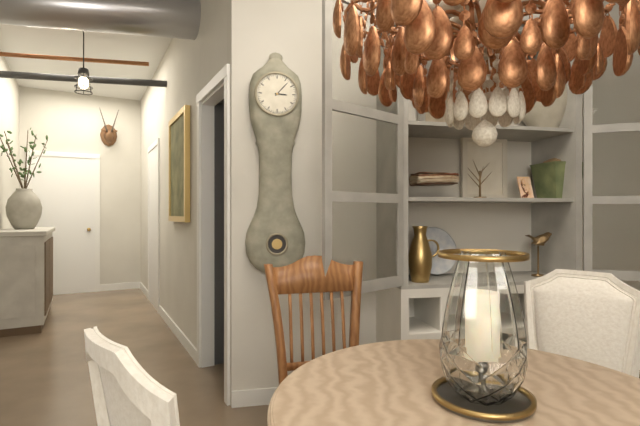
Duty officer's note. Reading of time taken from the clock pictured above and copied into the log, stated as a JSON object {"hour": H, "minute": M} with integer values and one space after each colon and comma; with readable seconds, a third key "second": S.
{"hour": 3, "minute": 7}
